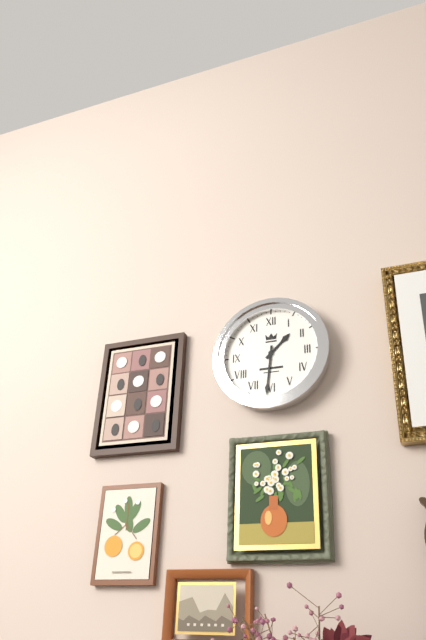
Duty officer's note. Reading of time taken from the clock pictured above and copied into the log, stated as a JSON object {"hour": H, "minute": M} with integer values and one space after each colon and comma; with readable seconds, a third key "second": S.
{"hour": 1, "minute": 31}
